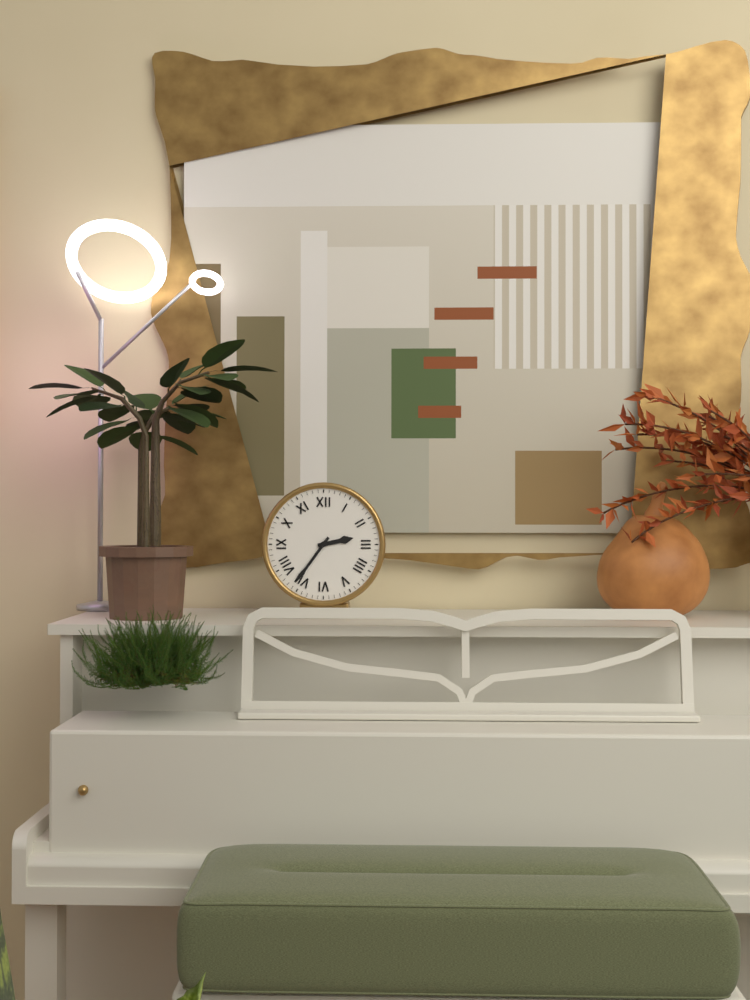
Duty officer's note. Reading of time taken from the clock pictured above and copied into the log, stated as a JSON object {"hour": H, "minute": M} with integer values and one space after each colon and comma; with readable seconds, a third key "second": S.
{"hour": 2, "minute": 36}
